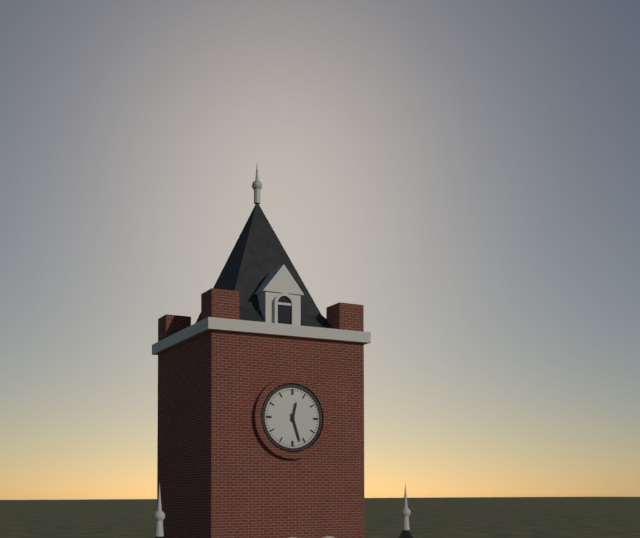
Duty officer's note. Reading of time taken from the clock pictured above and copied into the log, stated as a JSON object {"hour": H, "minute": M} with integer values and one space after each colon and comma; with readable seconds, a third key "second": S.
{"hour": 12, "minute": 27}
